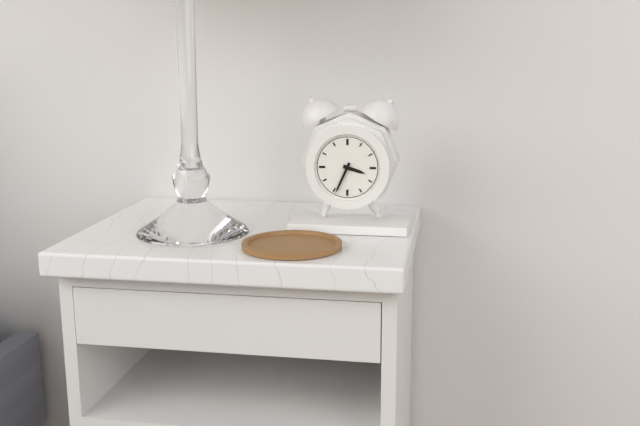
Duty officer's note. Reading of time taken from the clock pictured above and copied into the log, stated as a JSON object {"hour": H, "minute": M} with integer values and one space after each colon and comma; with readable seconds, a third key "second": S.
{"hour": 3, "minute": 34}
